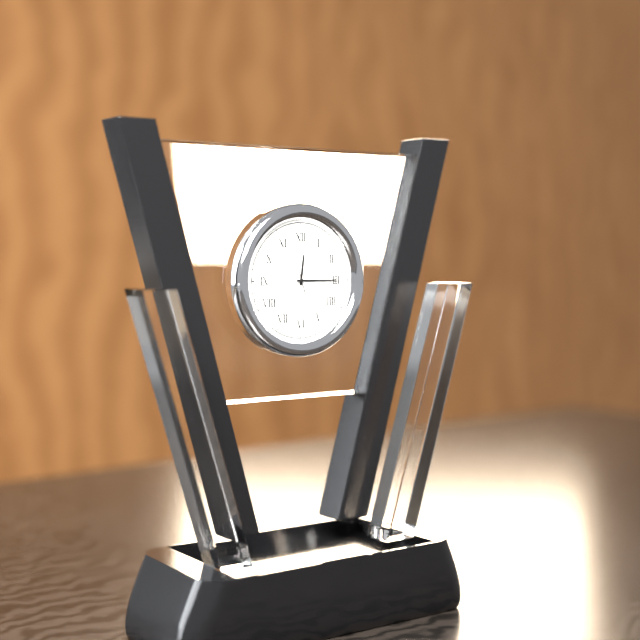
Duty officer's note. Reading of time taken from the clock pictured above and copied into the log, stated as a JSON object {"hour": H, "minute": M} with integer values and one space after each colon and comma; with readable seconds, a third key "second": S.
{"hour": 12, "minute": 15, "second": 57}
